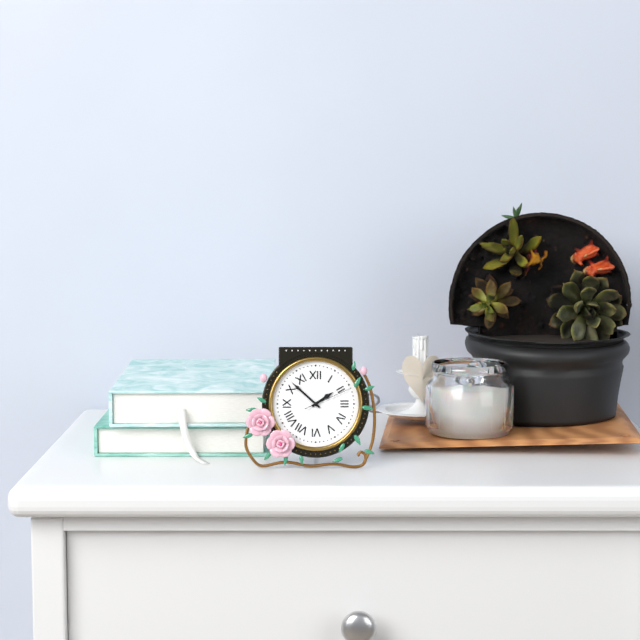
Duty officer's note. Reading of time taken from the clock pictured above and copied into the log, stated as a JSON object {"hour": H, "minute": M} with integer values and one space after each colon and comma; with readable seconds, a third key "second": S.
{"hour": 1, "minute": 52}
